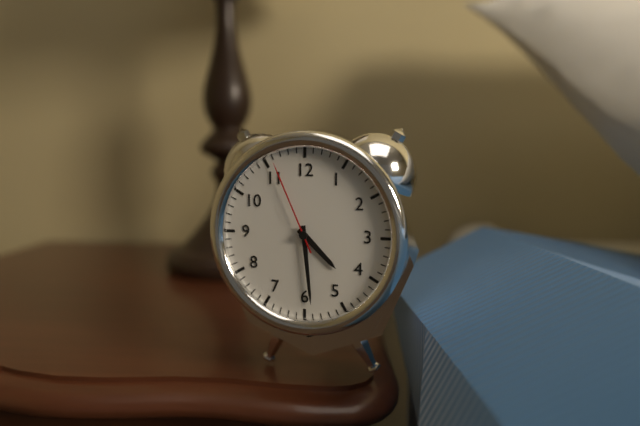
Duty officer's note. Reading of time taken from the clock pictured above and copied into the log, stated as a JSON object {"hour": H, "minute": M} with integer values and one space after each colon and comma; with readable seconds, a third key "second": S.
{"hour": 4, "minute": 29, "second": 56}
